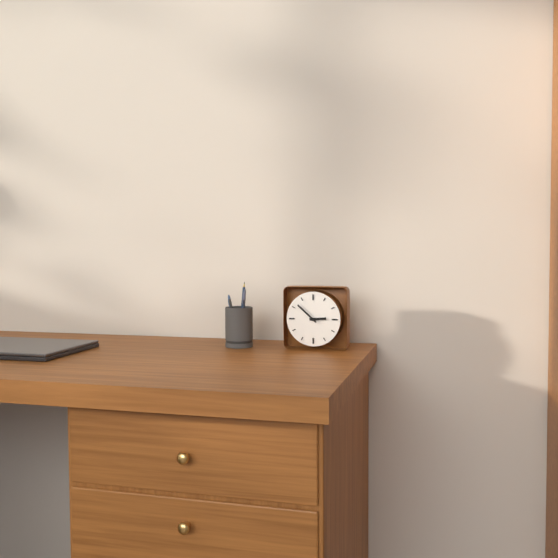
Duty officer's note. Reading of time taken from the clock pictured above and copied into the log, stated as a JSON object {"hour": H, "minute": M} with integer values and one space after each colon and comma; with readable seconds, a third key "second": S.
{"hour": 2, "minute": 52}
